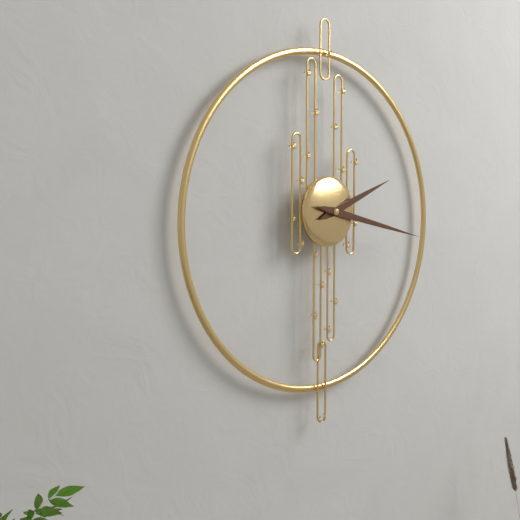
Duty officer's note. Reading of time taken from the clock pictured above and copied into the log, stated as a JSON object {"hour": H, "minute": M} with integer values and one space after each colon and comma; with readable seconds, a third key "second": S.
{"hour": 2, "minute": 17}
